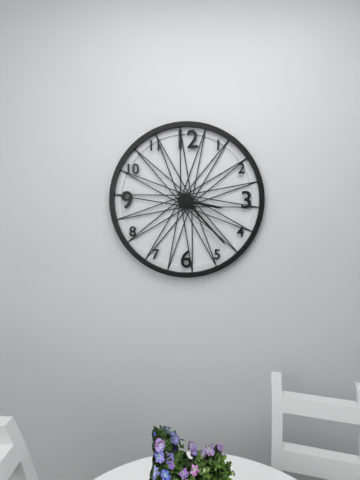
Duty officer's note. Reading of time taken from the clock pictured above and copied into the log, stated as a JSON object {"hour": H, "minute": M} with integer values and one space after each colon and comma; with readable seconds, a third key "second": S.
{"hour": 3, "minute": 23}
